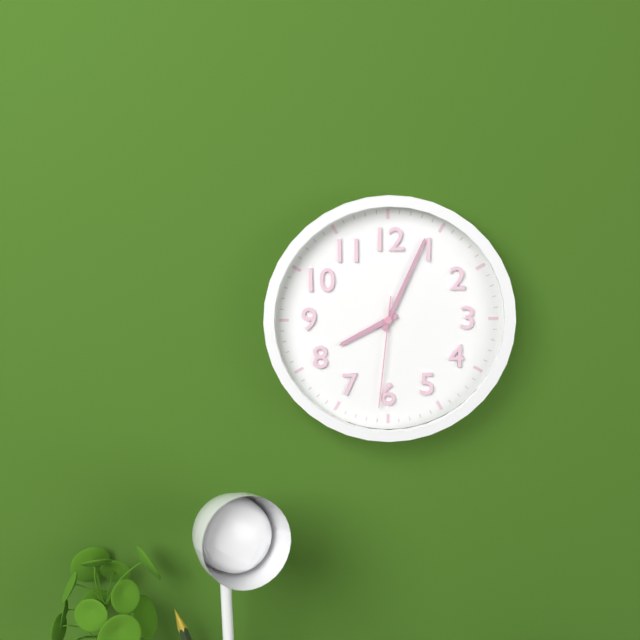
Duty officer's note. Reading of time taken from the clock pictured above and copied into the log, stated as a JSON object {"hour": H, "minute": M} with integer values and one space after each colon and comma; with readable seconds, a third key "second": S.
{"hour": 8, "minute": 4, "second": 31}
